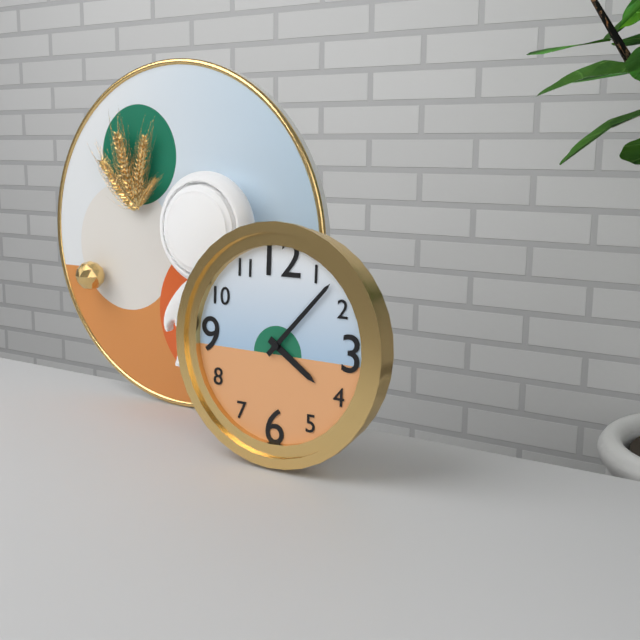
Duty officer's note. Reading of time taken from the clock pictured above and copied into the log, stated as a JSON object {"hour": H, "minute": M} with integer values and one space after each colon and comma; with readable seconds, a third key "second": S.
{"hour": 4, "minute": 7}
